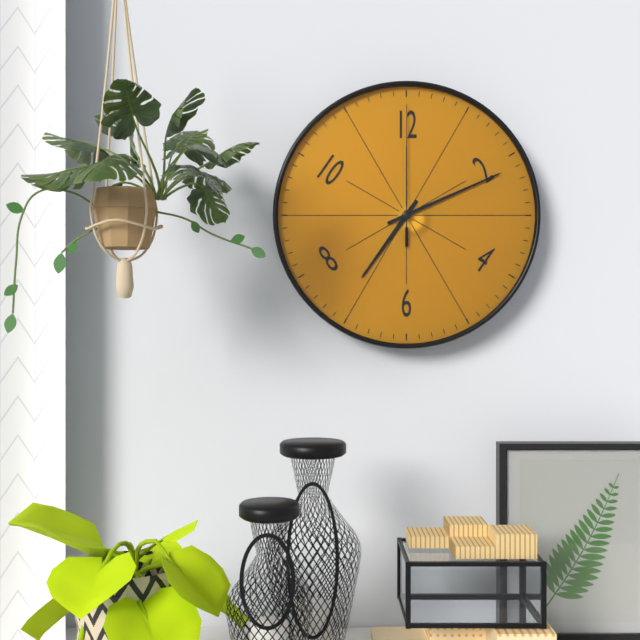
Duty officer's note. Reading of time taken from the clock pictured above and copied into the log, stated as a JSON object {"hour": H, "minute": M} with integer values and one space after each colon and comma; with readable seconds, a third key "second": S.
{"hour": 7, "minute": 11, "second": 0}
